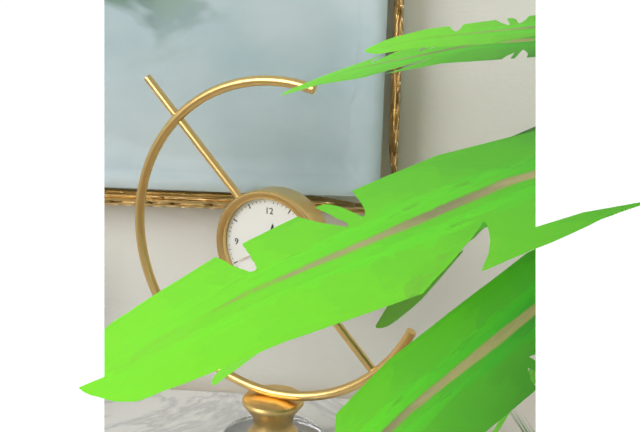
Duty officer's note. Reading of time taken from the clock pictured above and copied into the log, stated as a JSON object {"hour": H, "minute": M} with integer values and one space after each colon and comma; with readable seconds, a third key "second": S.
{"hour": 12, "minute": 20}
